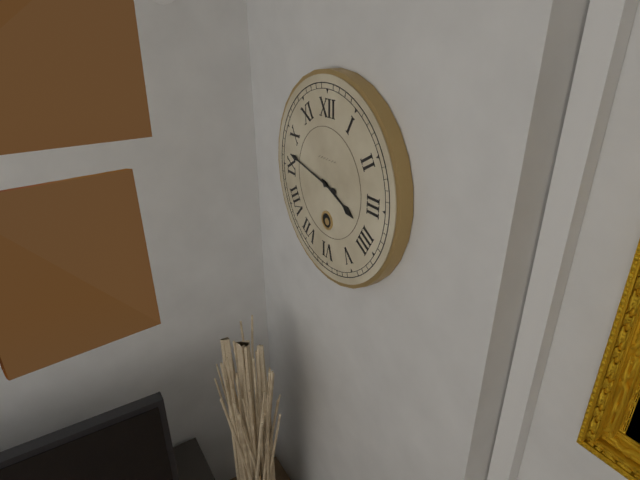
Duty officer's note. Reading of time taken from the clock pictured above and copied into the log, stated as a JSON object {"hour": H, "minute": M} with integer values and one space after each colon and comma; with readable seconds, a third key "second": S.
{"hour": 3, "minute": 47}
